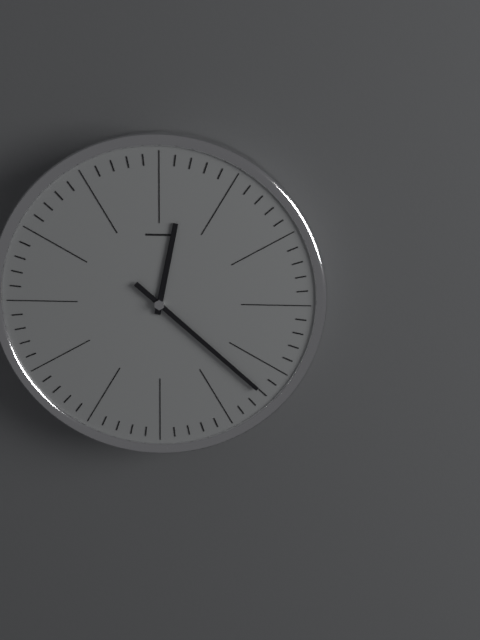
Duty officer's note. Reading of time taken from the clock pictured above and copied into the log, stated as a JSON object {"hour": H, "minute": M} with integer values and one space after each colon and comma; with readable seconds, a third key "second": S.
{"hour": 12, "minute": 22}
